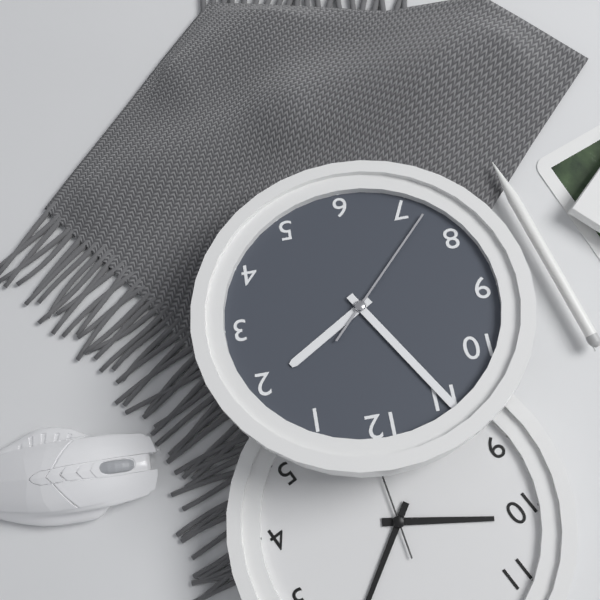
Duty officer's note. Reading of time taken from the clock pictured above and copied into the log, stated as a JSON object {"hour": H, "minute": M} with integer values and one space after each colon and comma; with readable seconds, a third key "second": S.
{"hour": 1, "minute": 55, "second": 37}
